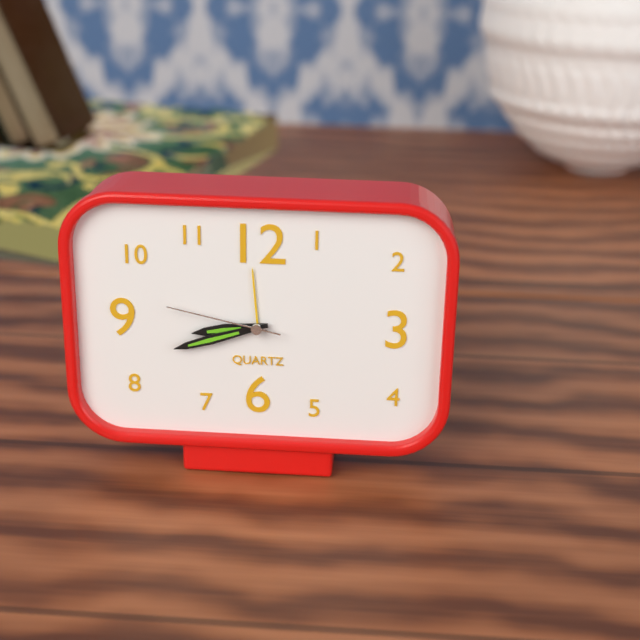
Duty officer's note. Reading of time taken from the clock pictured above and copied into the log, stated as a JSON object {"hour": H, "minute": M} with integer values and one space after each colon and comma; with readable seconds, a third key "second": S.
{"hour": 8, "minute": 42, "second": 47}
